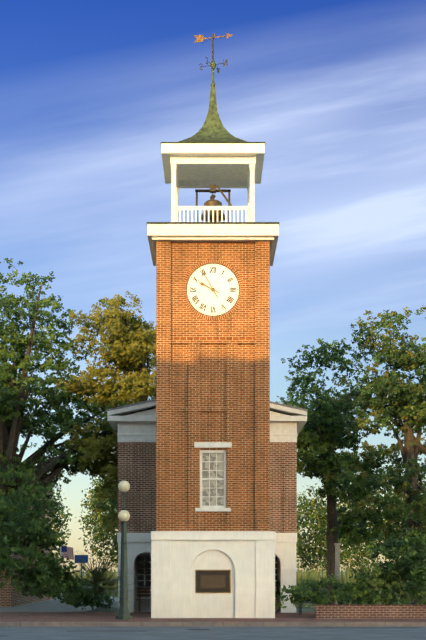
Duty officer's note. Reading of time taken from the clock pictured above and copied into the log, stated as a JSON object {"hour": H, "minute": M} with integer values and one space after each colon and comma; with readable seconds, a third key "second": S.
{"hour": 9, "minute": 55}
